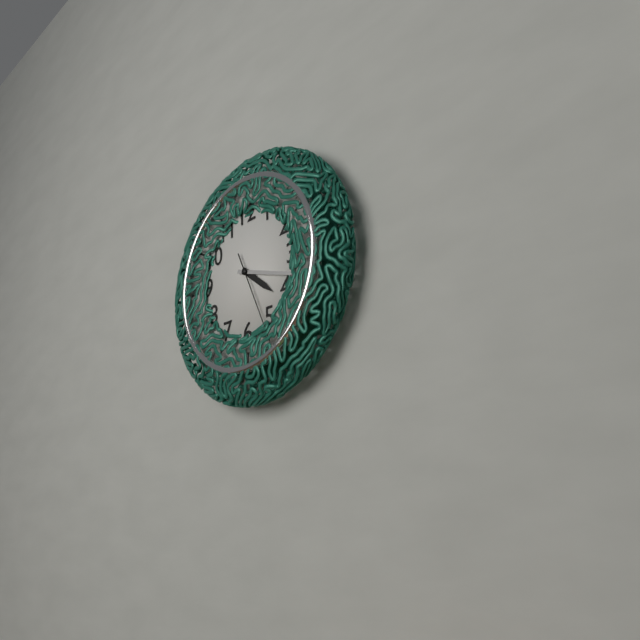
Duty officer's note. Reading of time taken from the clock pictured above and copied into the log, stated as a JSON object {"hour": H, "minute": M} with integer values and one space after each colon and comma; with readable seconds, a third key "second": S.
{"hour": 4, "minute": 18, "second": 26}
